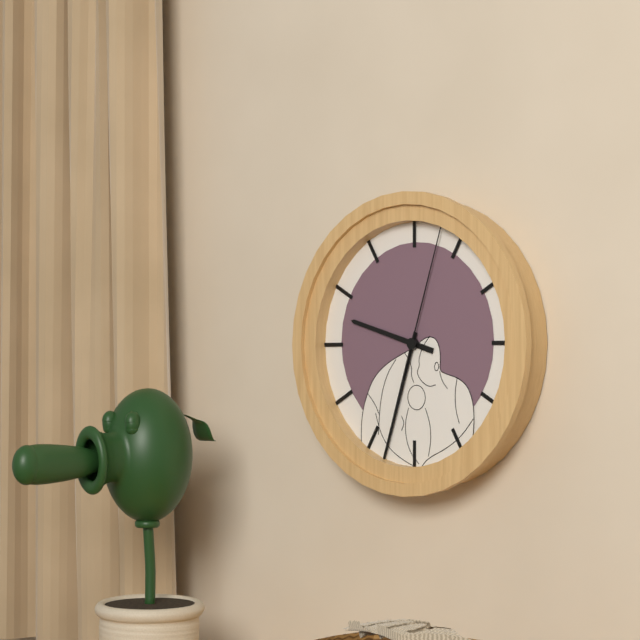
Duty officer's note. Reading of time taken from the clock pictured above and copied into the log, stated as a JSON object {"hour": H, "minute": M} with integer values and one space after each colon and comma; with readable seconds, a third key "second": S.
{"hour": 9, "minute": 33, "second": 3}
